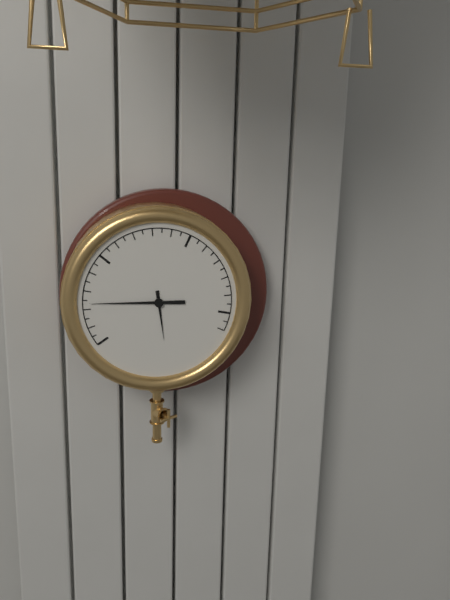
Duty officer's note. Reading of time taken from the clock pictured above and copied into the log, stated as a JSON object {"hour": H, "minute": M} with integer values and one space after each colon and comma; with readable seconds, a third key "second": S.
{"hour": 5, "minute": 45}
